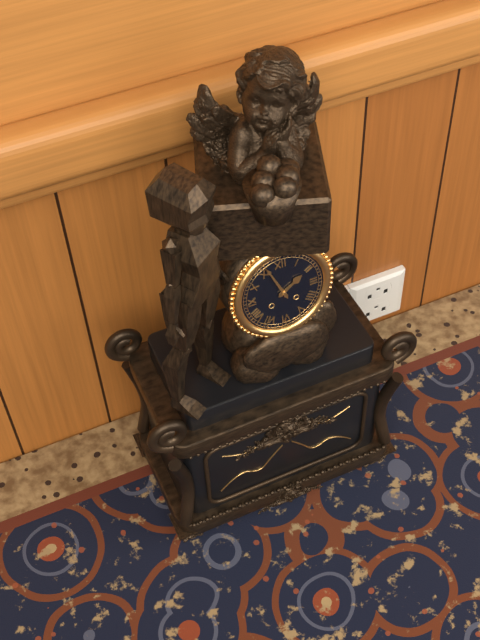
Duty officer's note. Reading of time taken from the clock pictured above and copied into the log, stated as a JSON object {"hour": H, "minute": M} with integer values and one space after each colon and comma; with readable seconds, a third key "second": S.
{"hour": 1, "minute": 56}
